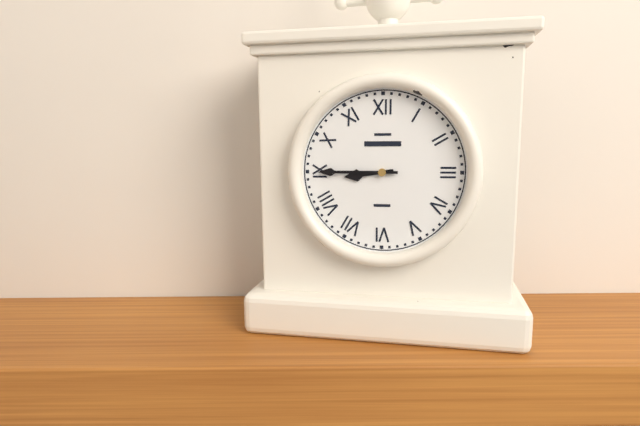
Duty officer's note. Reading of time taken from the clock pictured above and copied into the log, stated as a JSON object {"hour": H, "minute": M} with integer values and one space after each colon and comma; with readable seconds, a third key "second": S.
{"hour": 8, "minute": 45}
